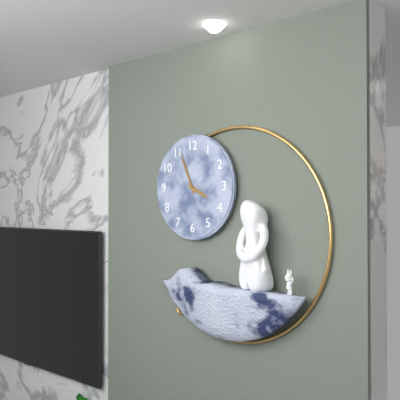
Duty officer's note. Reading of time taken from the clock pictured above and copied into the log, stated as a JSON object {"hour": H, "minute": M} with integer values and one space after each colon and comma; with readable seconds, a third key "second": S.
{"hour": 3, "minute": 56}
